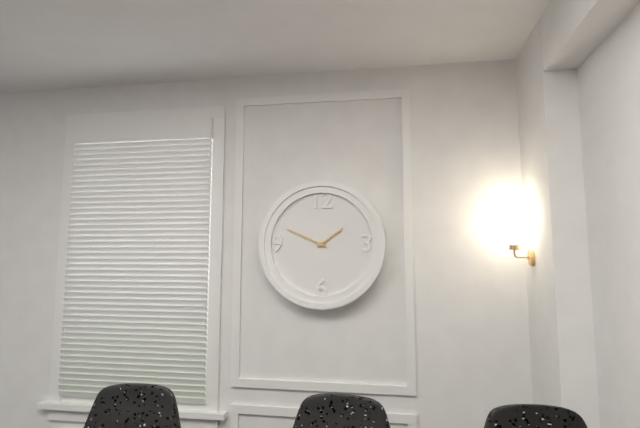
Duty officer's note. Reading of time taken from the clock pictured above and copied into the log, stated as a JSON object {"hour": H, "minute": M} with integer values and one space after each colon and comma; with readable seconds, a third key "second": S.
{"hour": 1, "minute": 49}
